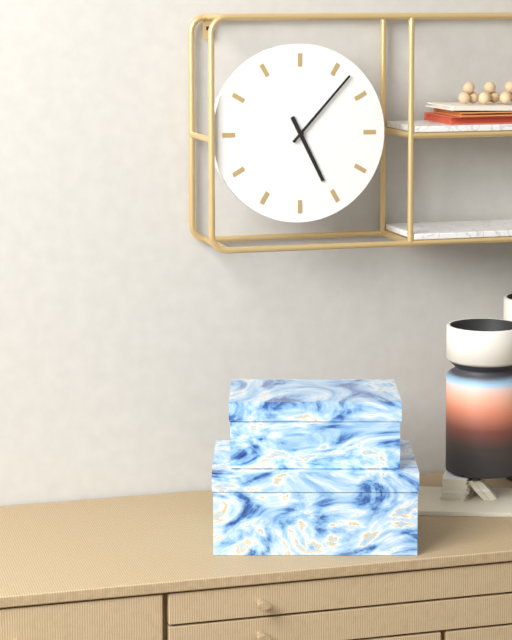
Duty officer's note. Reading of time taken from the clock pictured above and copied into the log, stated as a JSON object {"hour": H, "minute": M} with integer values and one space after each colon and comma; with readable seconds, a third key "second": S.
{"hour": 5, "minute": 7}
